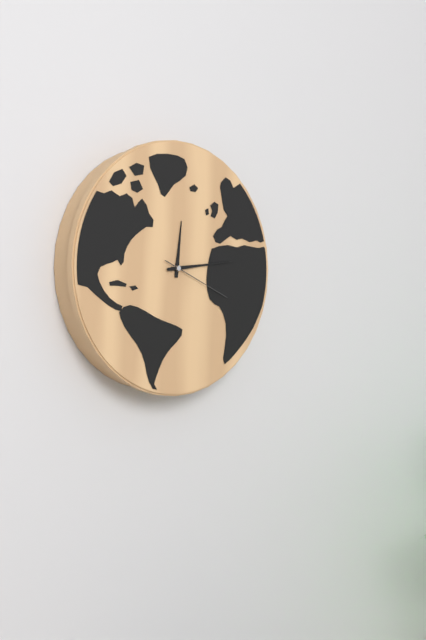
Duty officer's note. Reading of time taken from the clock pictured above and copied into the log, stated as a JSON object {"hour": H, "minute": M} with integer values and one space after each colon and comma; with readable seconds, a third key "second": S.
{"hour": 12, "minute": 14, "second": 19}
